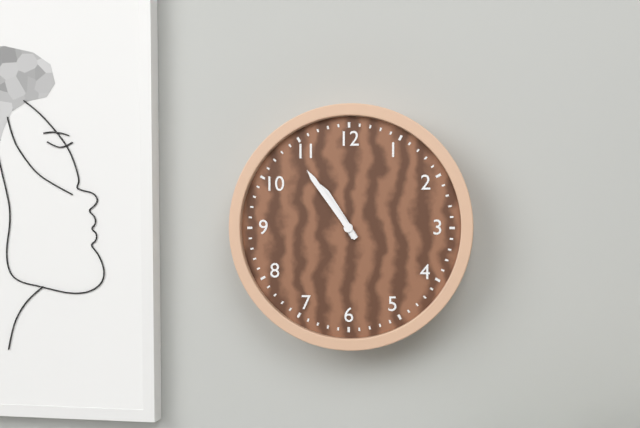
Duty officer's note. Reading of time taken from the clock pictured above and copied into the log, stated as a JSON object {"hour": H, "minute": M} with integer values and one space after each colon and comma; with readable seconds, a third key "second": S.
{"hour": 10, "minute": 54}
